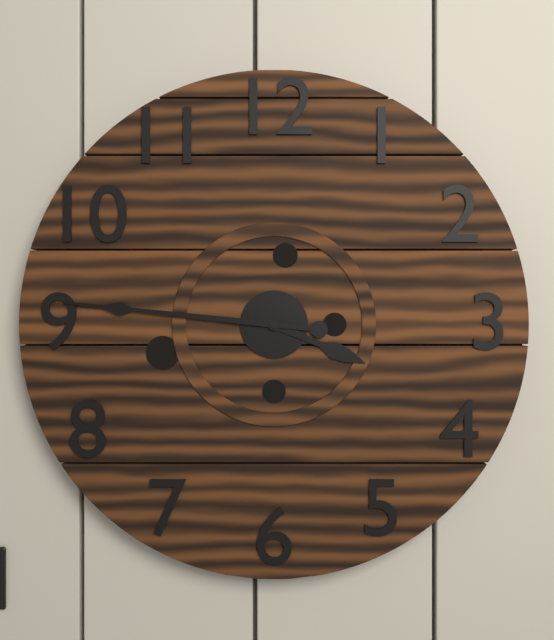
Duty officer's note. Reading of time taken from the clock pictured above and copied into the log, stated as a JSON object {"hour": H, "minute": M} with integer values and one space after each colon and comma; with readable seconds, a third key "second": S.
{"hour": 3, "minute": 46}
